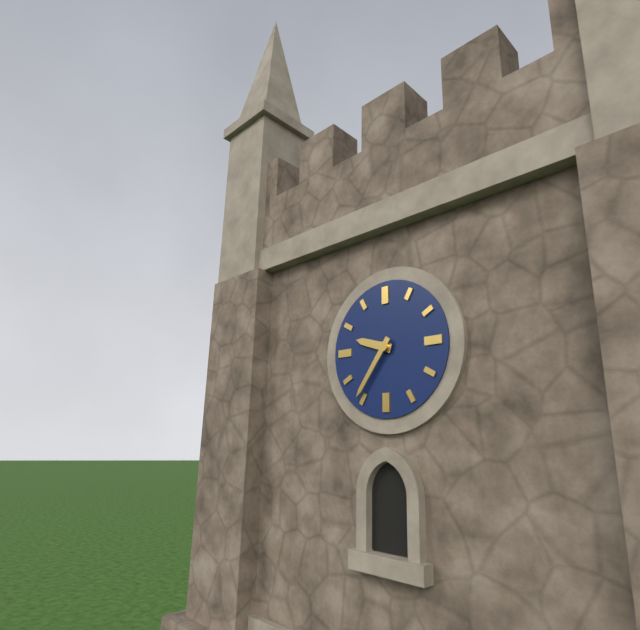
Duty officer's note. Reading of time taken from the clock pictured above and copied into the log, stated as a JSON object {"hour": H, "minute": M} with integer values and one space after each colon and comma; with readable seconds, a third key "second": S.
{"hour": 9, "minute": 36}
